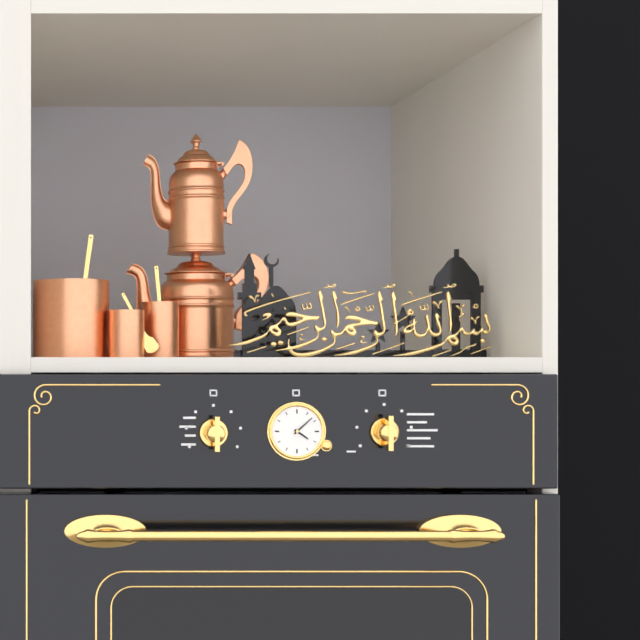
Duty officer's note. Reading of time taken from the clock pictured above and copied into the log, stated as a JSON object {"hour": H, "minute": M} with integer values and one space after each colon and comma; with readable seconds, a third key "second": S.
{"hour": 4, "minute": 8}
